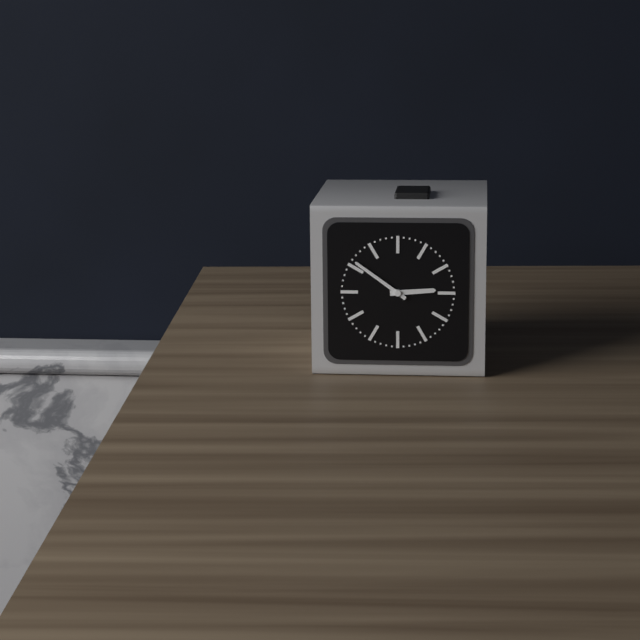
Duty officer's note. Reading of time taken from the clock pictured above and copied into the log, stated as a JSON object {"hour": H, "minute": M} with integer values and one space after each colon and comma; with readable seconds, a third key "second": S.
{"hour": 2, "minute": 51}
